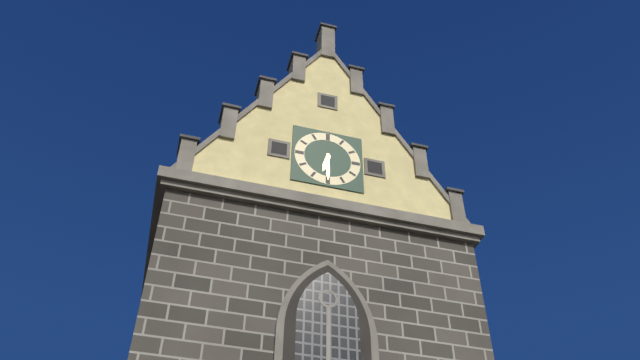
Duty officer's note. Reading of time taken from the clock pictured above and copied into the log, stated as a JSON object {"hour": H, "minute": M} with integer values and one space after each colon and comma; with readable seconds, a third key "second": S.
{"hour": 6, "minute": 30}
